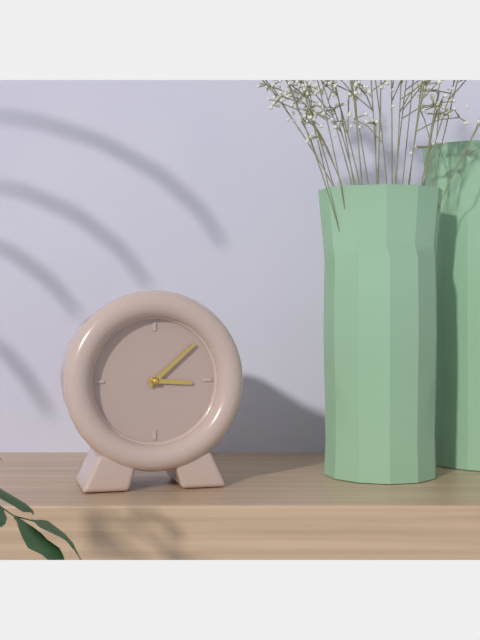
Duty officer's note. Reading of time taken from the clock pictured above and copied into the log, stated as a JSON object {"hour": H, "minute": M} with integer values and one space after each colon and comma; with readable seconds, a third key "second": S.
{"hour": 3, "minute": 8}
